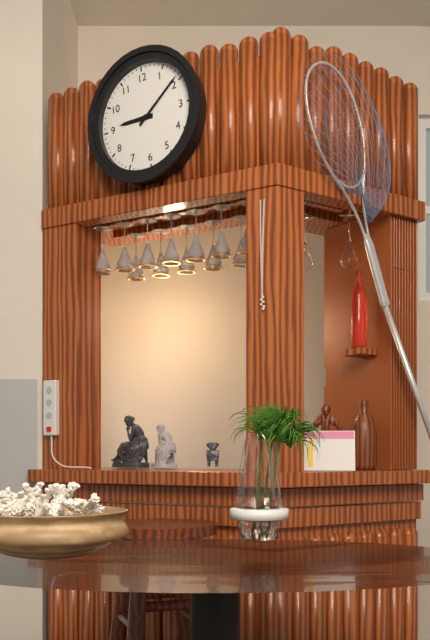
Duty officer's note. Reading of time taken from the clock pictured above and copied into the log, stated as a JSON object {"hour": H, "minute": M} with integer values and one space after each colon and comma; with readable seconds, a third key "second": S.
{"hour": 9, "minute": 9}
